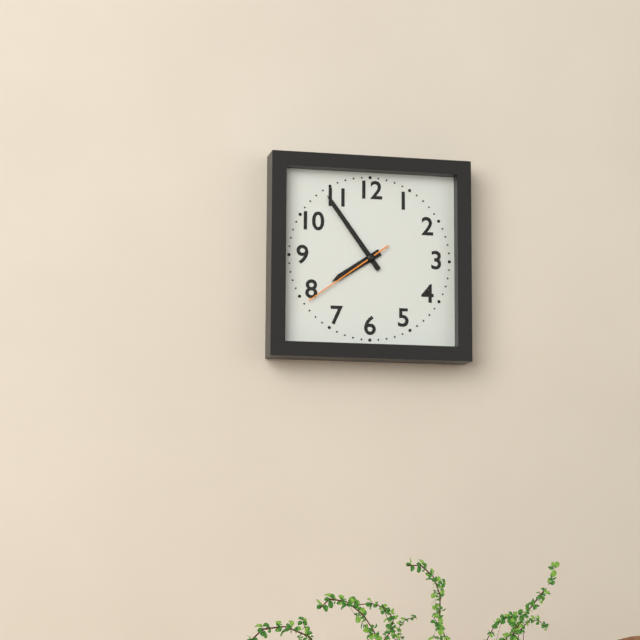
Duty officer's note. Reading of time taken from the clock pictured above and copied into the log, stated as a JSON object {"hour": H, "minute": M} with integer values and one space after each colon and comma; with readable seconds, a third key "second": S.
{"hour": 7, "minute": 54, "second": 39}
